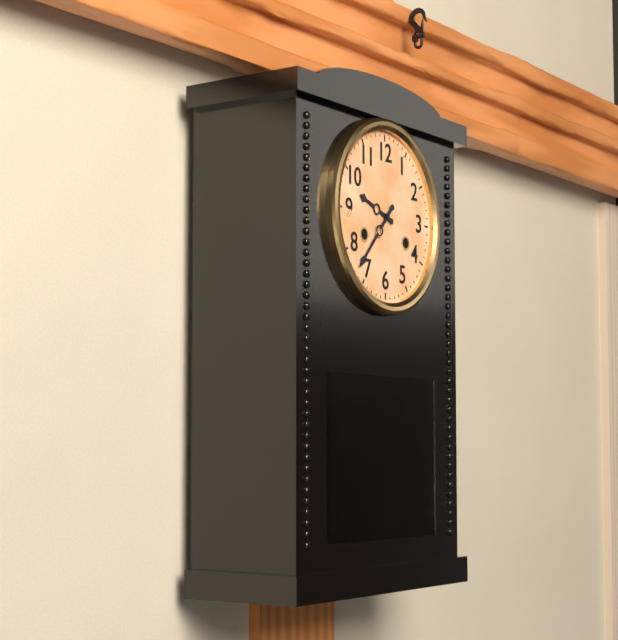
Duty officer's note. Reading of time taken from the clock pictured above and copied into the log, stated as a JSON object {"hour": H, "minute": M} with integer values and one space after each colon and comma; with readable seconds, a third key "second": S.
{"hour": 9, "minute": 37}
